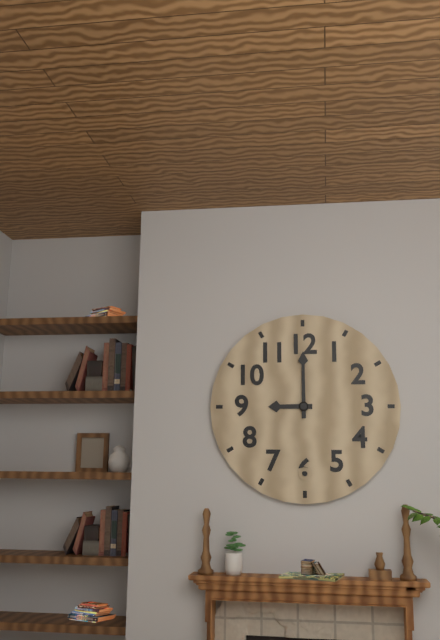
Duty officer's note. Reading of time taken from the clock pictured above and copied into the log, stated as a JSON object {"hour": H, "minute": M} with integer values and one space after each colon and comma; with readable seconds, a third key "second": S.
{"hour": 9, "minute": 0}
